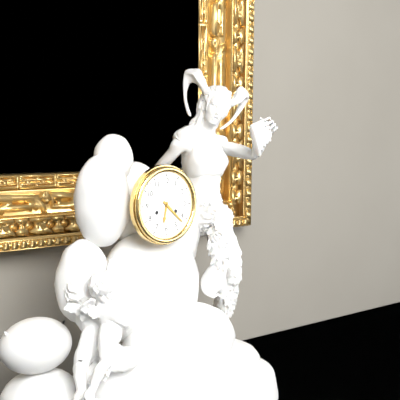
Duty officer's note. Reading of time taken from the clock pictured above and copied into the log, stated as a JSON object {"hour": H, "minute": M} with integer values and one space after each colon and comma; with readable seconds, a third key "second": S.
{"hour": 6, "minute": 22}
